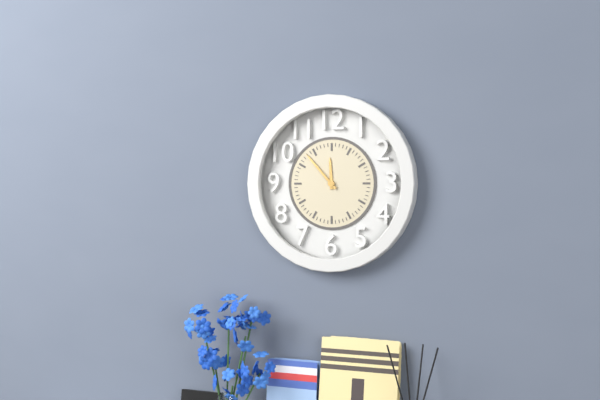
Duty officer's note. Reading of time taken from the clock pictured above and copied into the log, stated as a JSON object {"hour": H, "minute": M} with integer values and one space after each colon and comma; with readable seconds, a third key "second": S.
{"hour": 11, "minute": 53}
